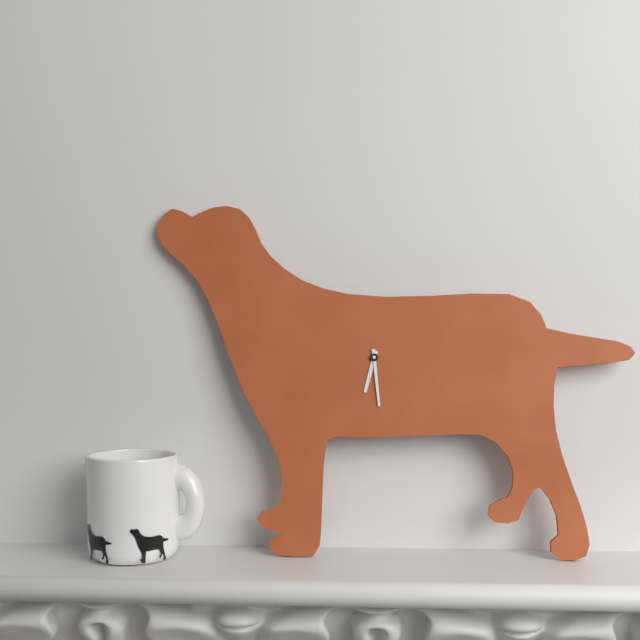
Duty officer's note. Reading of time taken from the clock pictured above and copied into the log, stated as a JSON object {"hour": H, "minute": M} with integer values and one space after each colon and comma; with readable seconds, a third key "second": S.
{"hour": 6, "minute": 29}
